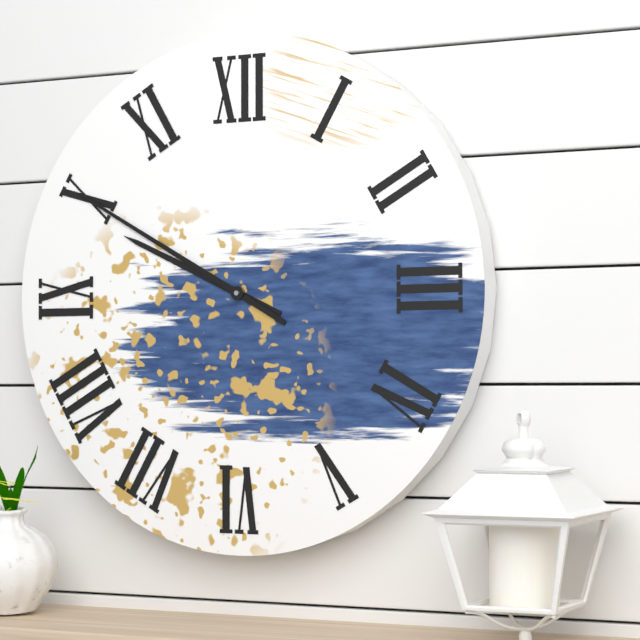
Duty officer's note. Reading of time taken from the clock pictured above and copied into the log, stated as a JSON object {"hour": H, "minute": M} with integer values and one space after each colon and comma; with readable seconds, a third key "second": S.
{"hour": 9, "minute": 50}
